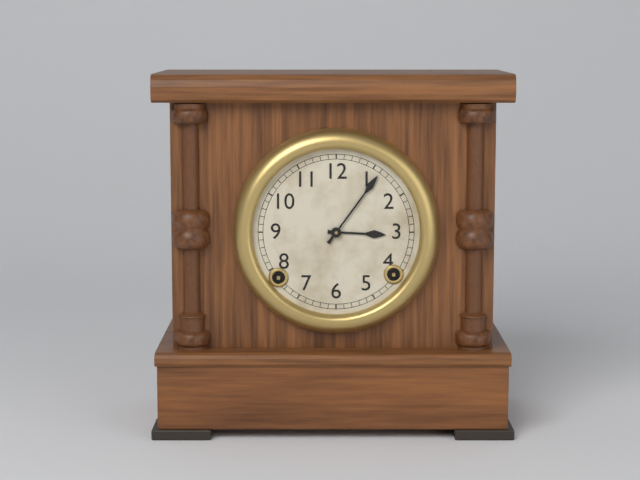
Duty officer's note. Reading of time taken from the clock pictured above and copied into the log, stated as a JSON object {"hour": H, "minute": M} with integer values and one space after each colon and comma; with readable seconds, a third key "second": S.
{"hour": 3, "minute": 6}
